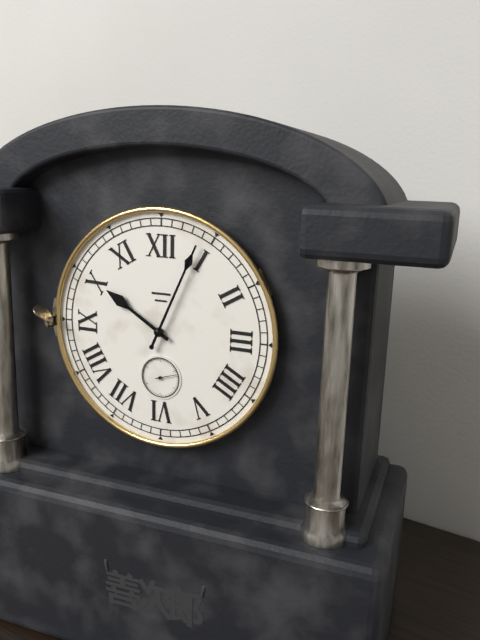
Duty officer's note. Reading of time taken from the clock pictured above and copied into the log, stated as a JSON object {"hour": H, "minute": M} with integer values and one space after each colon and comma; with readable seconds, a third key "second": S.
{"hour": 10, "minute": 4}
